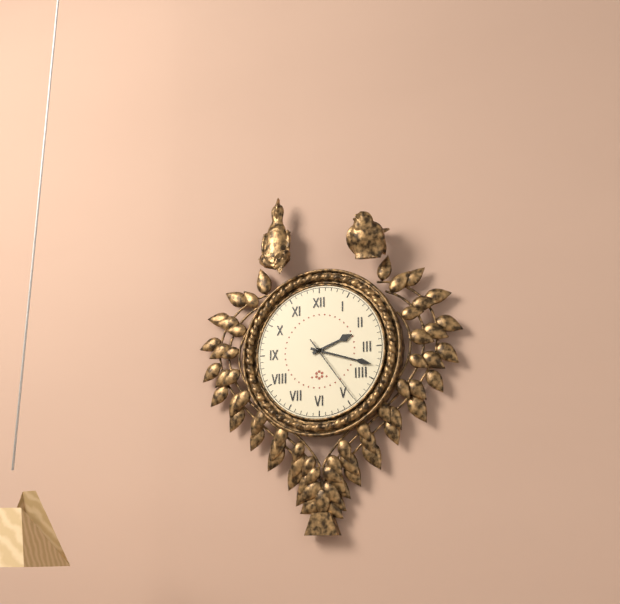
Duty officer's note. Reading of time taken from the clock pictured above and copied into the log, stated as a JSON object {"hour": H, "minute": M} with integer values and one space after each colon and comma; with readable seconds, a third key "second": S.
{"hour": 2, "minute": 18, "second": 24}
